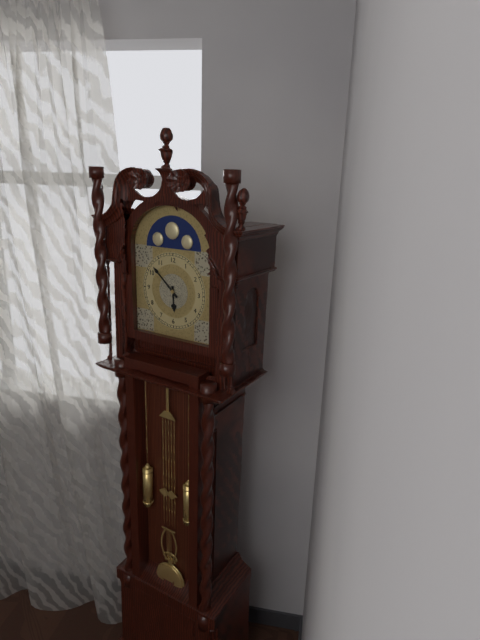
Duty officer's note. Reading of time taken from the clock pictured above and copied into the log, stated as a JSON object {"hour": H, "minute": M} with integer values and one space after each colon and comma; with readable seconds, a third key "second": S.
{"hour": 5, "minute": 52}
